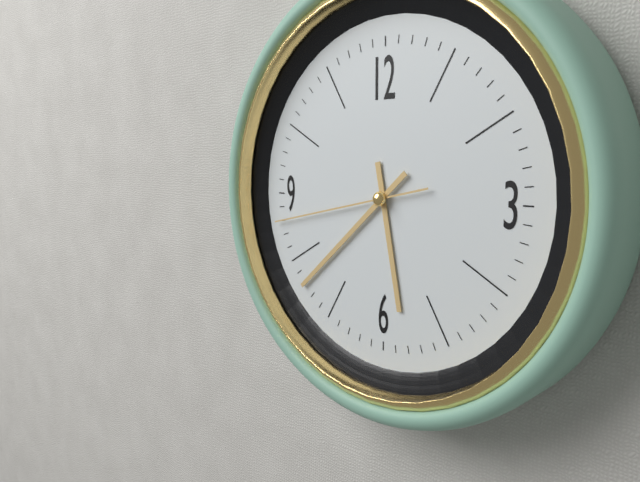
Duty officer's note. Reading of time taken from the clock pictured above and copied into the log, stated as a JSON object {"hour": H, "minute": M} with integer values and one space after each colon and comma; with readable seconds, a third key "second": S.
{"hour": 5, "minute": 38, "second": 43}
